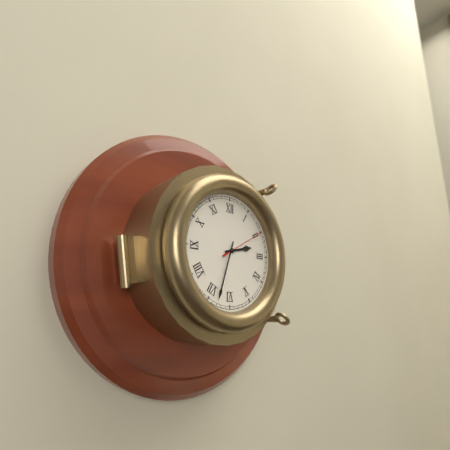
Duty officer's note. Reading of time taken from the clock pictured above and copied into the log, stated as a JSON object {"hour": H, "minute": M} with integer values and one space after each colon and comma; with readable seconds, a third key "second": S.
{"hour": 2, "minute": 33}
